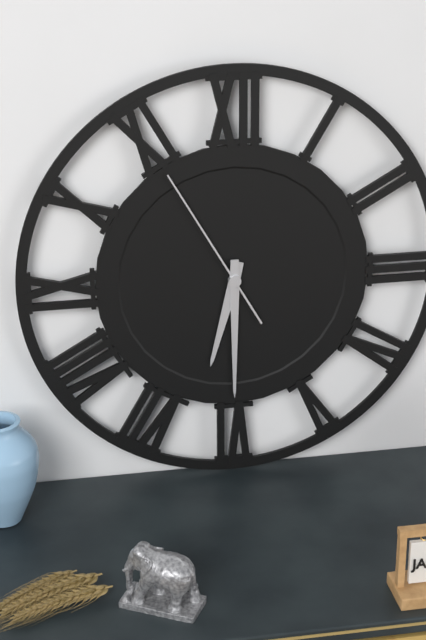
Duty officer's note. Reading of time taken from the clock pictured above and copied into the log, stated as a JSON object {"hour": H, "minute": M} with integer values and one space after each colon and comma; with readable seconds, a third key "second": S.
{"hour": 6, "minute": 30, "second": 55}
